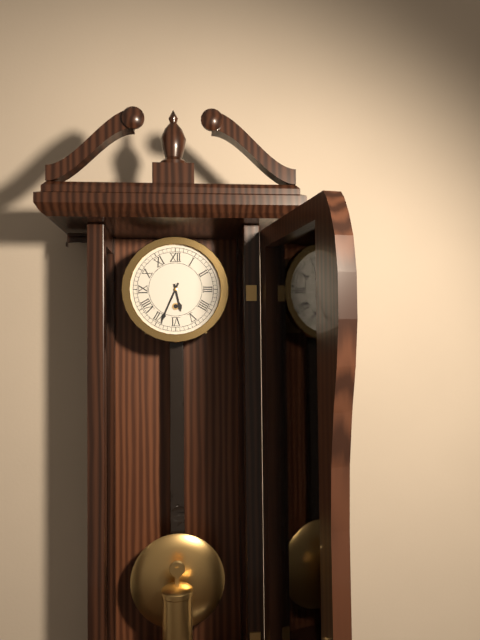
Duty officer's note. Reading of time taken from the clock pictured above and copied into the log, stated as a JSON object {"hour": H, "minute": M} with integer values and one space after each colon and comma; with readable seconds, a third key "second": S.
{"hour": 5, "minute": 34}
